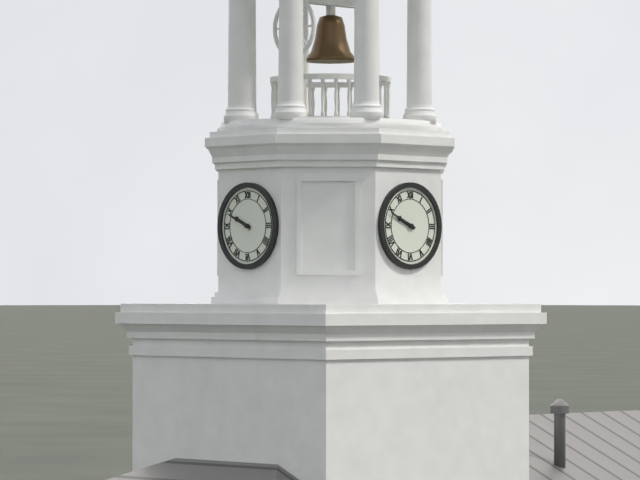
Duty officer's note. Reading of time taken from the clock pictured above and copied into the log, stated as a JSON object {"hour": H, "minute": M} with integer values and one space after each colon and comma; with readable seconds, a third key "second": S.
{"hour": 9, "minute": 49}
